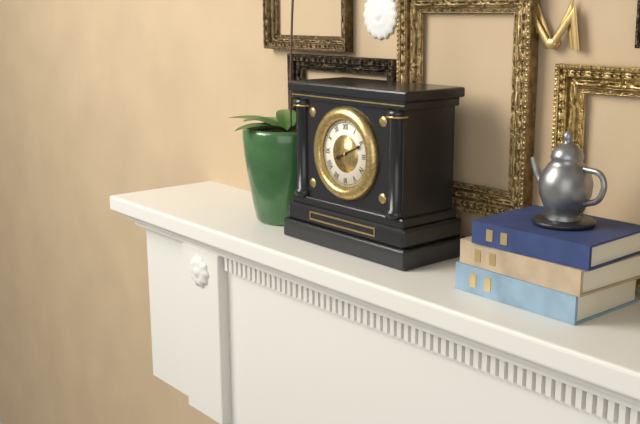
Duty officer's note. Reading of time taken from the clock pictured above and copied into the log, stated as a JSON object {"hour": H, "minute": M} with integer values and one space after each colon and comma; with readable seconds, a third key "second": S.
{"hour": 8, "minute": 11}
